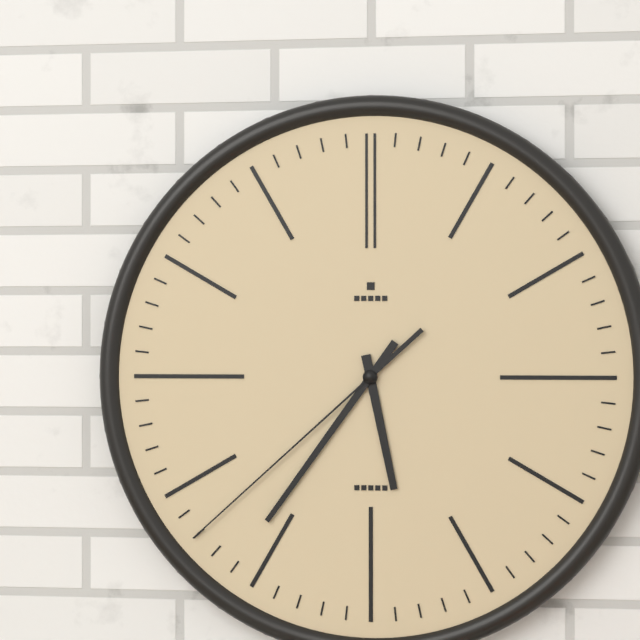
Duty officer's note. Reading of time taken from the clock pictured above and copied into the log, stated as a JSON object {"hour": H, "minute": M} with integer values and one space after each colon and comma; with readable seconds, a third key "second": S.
{"hour": 5, "minute": 36, "second": 38}
